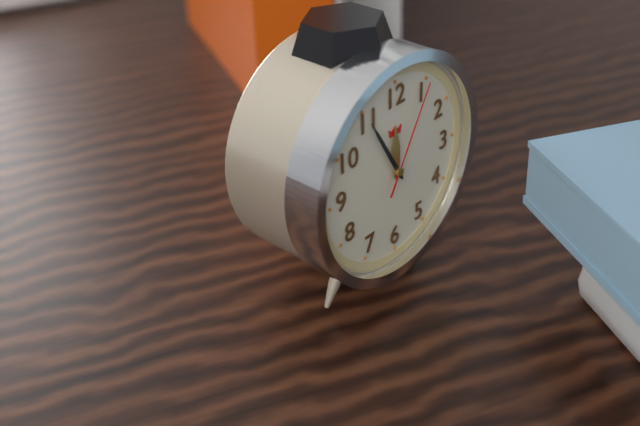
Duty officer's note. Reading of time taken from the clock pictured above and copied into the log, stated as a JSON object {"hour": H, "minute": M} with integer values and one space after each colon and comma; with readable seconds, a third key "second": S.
{"hour": 11, "minute": 55, "second": 5}
